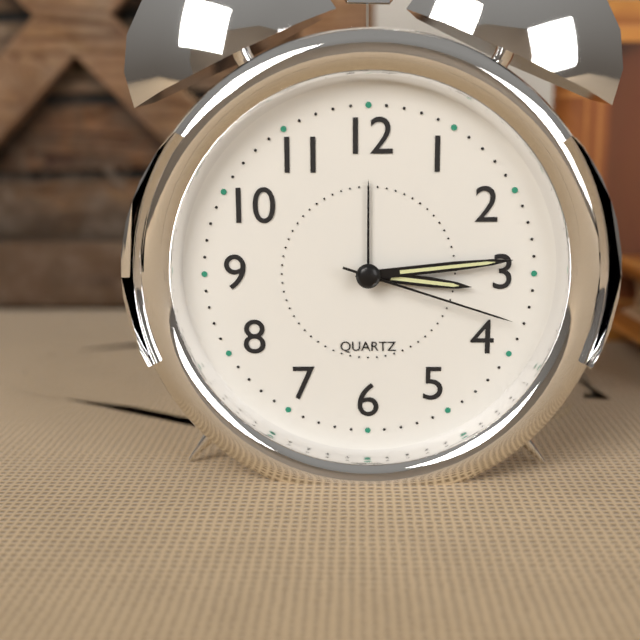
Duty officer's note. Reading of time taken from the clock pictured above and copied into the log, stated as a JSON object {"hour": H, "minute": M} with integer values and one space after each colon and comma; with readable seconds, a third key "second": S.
{"hour": 3, "minute": 14, "second": 18}
